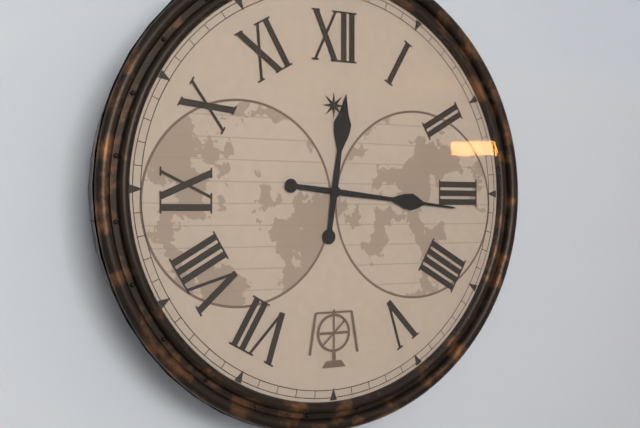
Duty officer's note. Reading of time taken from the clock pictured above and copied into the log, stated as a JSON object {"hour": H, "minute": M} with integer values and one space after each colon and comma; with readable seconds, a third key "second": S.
{"hour": 12, "minute": 16}
